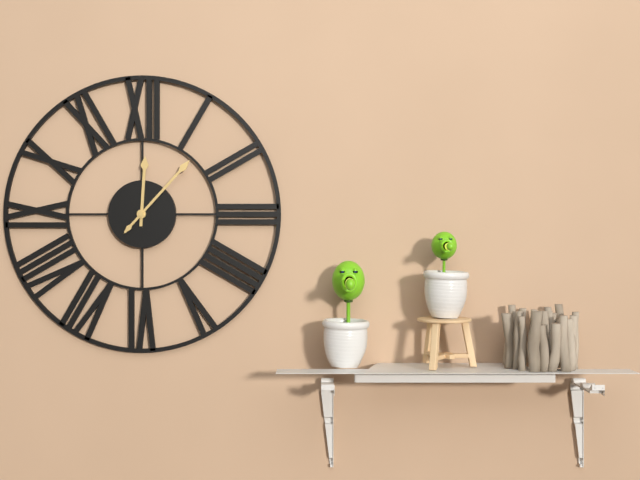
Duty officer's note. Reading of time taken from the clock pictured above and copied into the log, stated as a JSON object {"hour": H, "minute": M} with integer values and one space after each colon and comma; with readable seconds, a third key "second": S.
{"hour": 12, "minute": 7}
